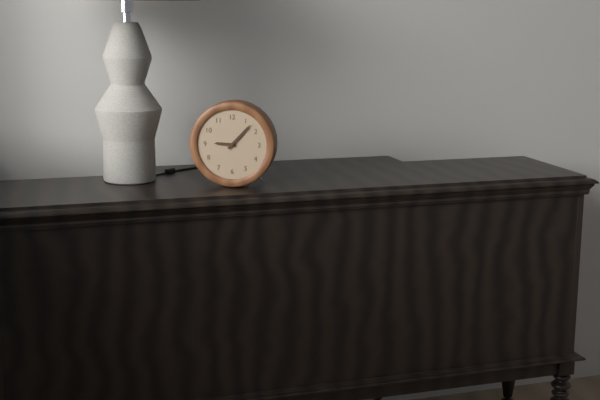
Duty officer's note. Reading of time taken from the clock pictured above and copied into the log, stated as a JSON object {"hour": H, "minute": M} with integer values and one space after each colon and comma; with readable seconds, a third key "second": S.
{"hour": 9, "minute": 7}
